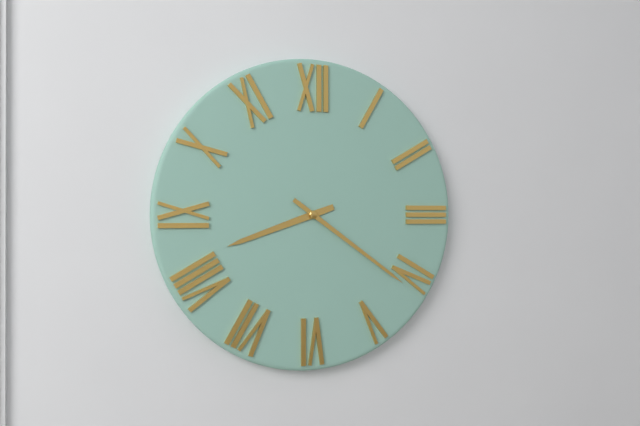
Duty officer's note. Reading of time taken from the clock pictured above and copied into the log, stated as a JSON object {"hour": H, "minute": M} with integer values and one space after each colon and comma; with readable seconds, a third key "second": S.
{"hour": 8, "minute": 21}
